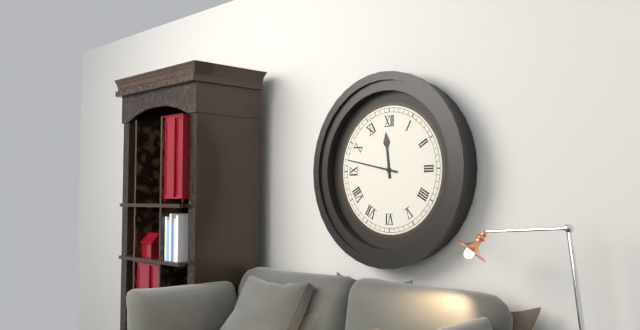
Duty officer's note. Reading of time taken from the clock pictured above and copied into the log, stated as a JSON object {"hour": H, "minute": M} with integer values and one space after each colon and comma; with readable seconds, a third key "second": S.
{"hour": 11, "minute": 47}
